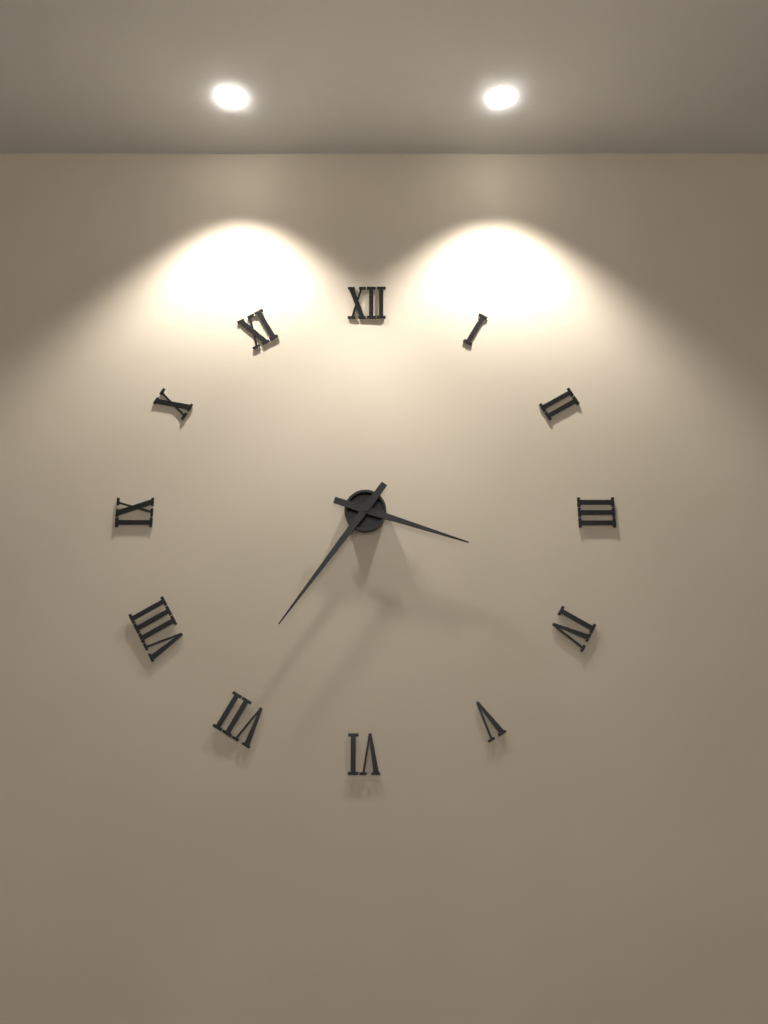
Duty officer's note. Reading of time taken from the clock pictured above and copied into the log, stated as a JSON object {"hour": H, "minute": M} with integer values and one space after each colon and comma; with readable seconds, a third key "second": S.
{"hour": 3, "minute": 36}
